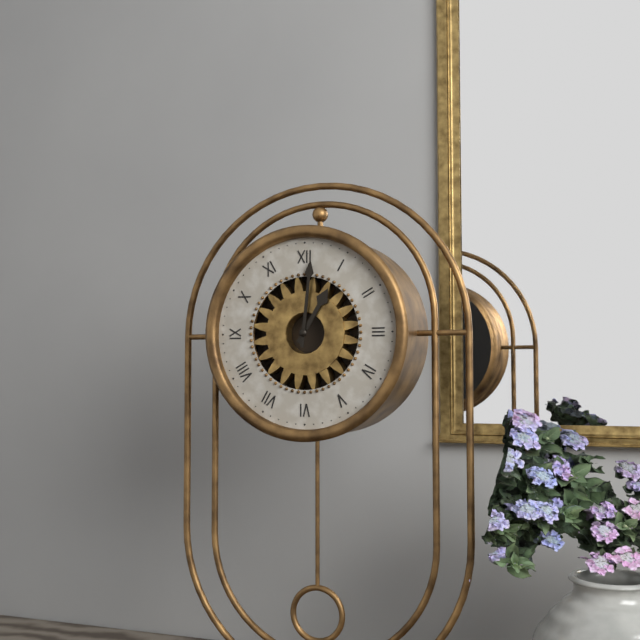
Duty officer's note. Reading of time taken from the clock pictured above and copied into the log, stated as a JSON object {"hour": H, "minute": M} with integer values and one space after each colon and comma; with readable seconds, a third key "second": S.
{"hour": 1, "minute": 1}
